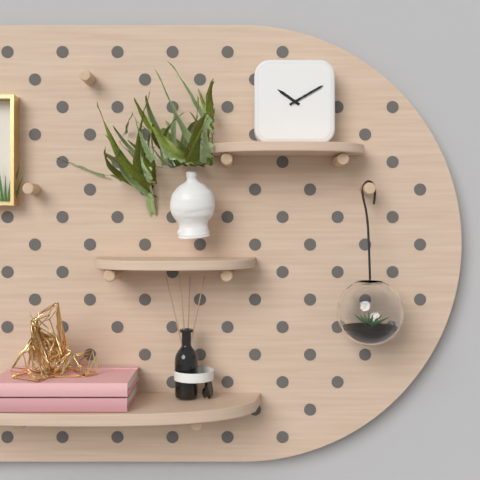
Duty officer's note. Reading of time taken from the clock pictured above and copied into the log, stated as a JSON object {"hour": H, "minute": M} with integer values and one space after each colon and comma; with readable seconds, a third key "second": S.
{"hour": 10, "minute": 10}
